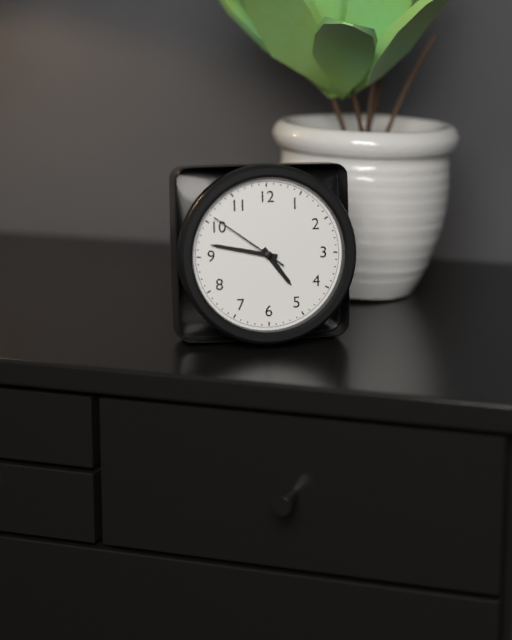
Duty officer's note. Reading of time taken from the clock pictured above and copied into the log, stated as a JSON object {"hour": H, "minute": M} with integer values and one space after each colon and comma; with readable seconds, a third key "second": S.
{"hour": 4, "minute": 47, "second": 51}
